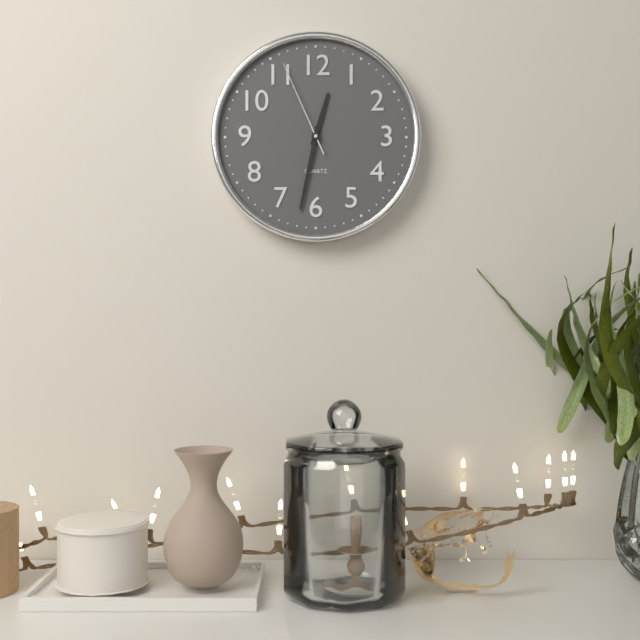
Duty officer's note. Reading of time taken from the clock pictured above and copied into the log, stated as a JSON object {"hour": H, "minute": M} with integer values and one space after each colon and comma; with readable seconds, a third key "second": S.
{"hour": 12, "minute": 32, "second": 56}
